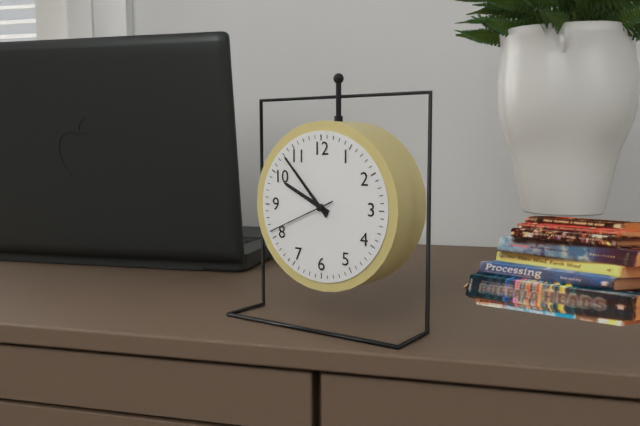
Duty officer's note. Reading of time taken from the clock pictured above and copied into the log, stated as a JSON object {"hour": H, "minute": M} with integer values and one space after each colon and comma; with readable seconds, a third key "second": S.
{"hour": 9, "minute": 53, "second": 41}
